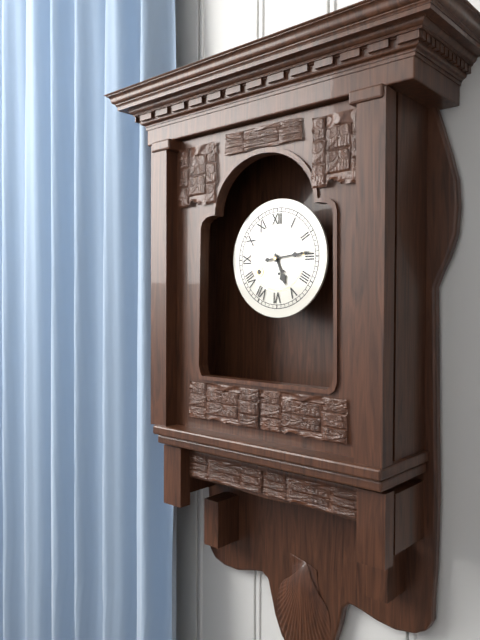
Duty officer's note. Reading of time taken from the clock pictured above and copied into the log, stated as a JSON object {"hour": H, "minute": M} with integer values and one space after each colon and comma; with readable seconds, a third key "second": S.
{"hour": 5, "minute": 14}
